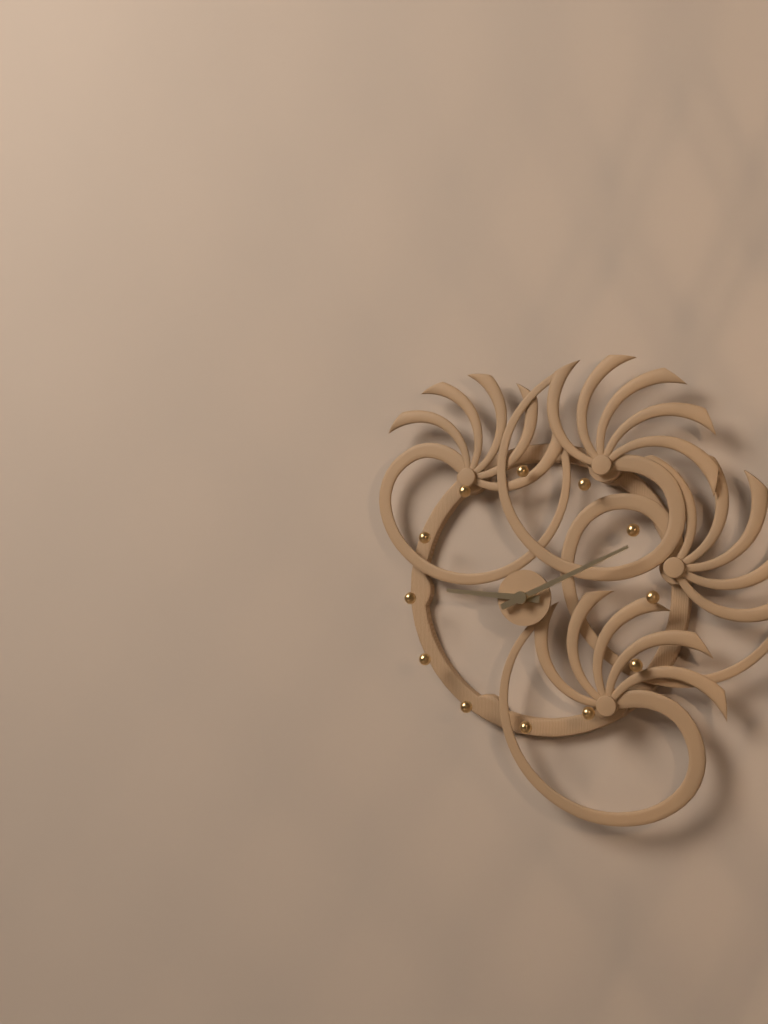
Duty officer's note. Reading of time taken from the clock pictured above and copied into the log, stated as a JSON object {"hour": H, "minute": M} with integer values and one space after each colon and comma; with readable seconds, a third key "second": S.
{"hour": 9, "minute": 11}
